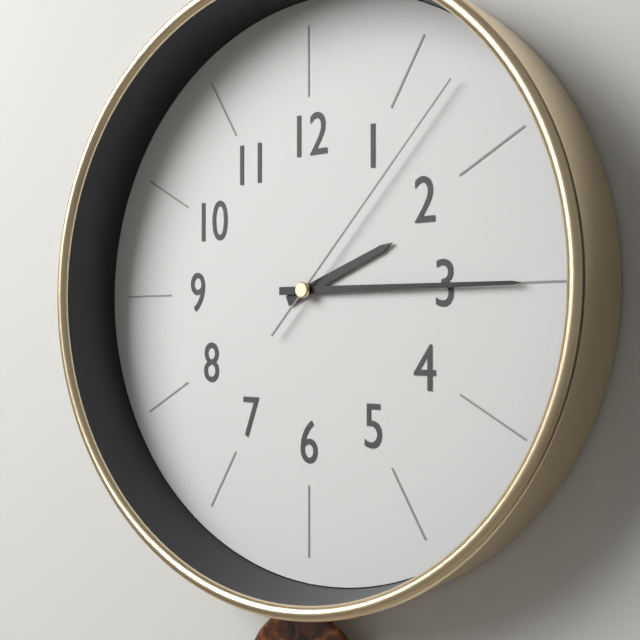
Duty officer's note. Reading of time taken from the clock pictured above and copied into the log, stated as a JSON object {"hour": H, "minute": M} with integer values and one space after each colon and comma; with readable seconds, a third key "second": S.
{"hour": 2, "minute": 15, "second": 7}
